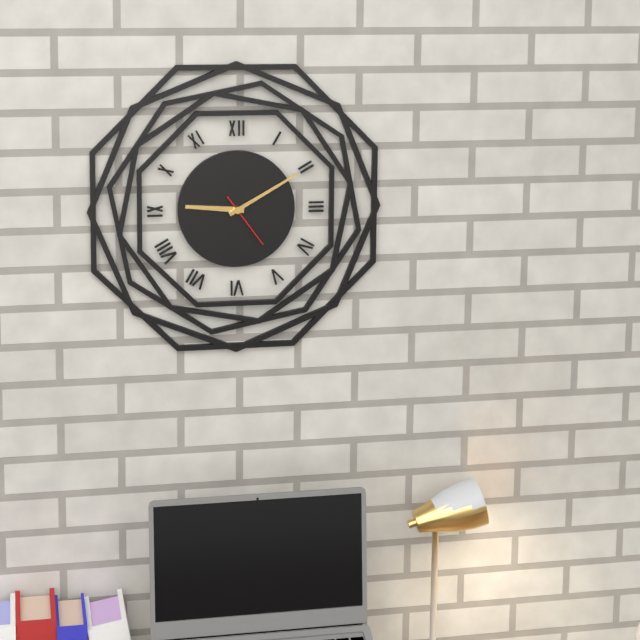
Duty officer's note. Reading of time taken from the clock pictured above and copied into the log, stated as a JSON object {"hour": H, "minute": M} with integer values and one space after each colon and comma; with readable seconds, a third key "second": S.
{"hour": 9, "minute": 10, "second": 24}
